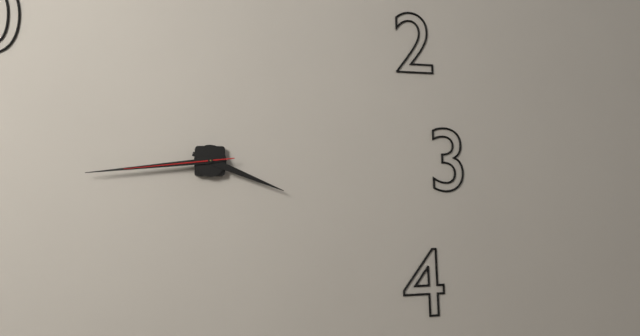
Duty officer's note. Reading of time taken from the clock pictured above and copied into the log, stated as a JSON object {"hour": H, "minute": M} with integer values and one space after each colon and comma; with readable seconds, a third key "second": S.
{"hour": 3, "minute": 44, "second": 44}
